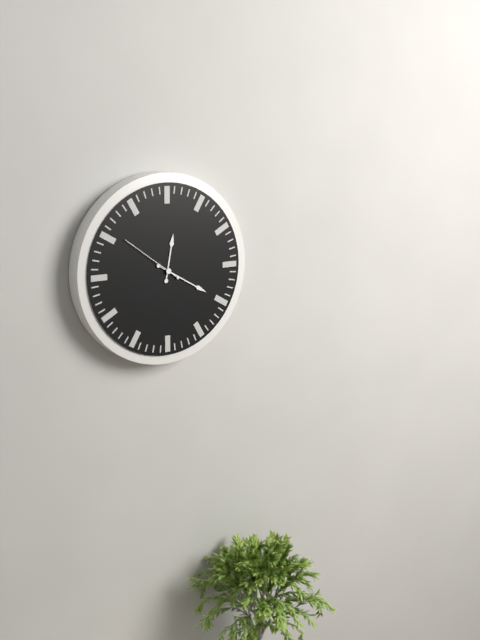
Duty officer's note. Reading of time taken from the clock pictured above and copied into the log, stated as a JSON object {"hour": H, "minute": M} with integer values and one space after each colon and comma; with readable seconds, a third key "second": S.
{"hour": 12, "minute": 20, "second": 51}
